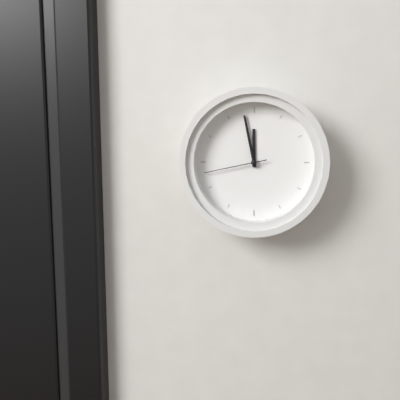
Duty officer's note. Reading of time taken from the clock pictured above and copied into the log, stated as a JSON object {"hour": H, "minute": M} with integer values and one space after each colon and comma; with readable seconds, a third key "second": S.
{"hour": 11, "minute": 58, "second": 43}
